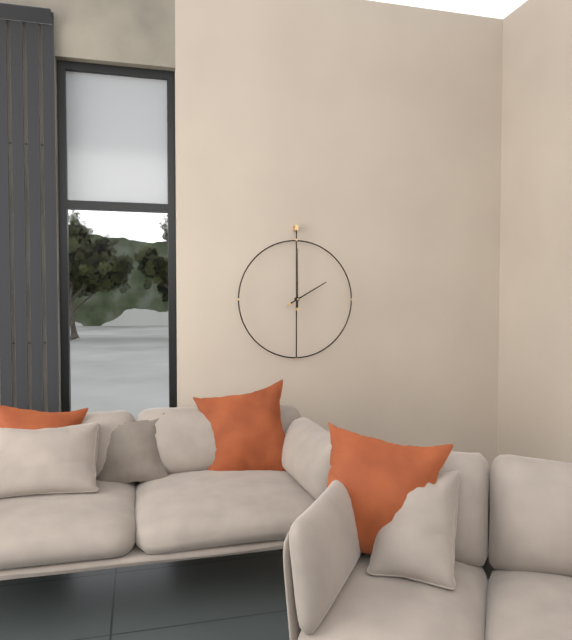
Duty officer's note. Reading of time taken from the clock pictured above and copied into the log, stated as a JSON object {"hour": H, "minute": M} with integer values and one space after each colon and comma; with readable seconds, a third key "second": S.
{"hour": 2, "minute": 0}
